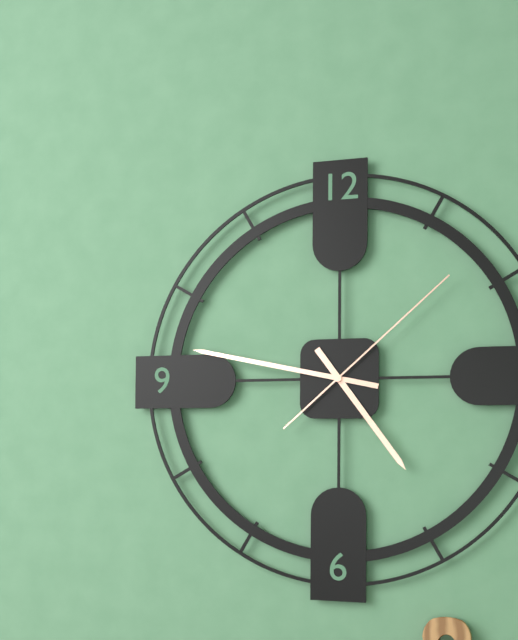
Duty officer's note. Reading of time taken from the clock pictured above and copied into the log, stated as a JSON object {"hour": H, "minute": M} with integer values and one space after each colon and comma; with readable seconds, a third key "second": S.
{"hour": 4, "minute": 47, "second": 8}
